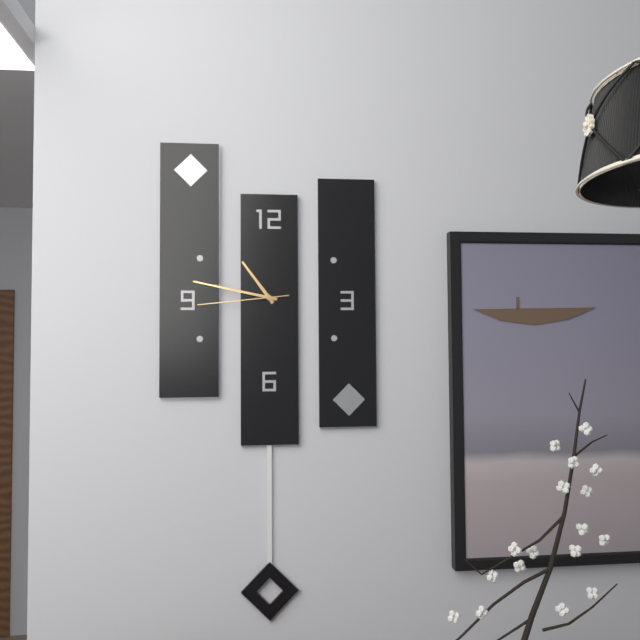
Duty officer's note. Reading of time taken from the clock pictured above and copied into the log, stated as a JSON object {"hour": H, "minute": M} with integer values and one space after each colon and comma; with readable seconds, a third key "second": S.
{"hour": 10, "minute": 47, "second": 44}
